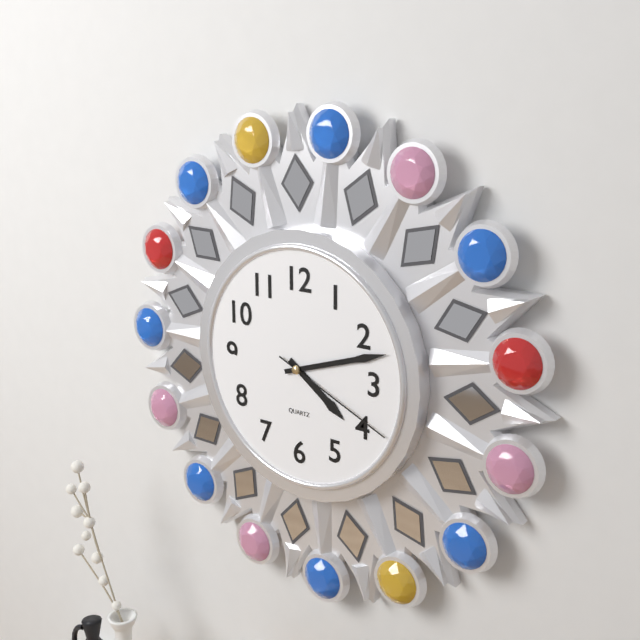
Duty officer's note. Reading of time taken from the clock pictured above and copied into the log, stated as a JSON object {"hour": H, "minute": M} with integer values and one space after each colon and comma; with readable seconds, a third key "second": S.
{"hour": 4, "minute": 12, "second": 19}
